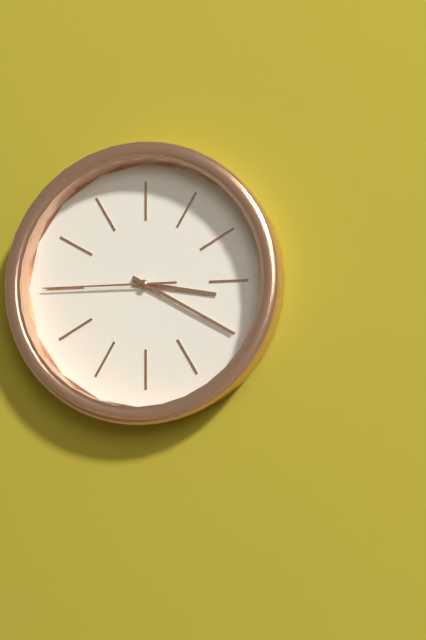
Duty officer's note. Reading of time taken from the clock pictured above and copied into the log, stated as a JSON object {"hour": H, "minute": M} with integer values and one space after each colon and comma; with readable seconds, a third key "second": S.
{"hour": 3, "minute": 20, "second": 45}
